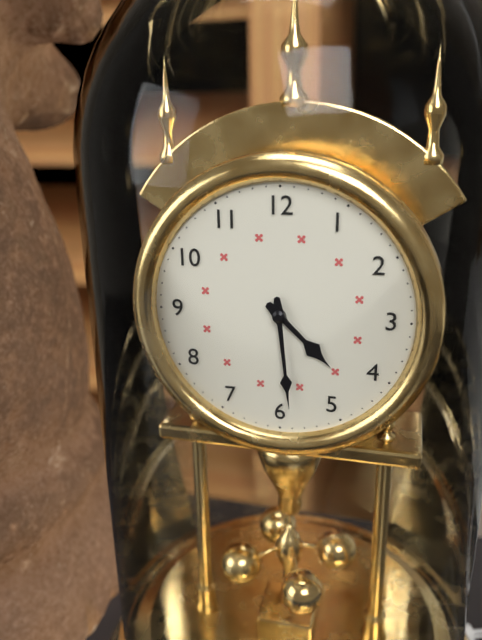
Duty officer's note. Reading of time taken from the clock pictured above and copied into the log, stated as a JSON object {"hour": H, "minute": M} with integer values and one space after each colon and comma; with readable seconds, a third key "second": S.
{"hour": 4, "minute": 29}
